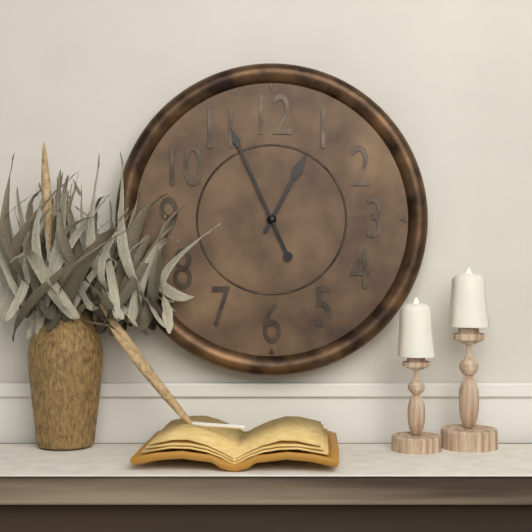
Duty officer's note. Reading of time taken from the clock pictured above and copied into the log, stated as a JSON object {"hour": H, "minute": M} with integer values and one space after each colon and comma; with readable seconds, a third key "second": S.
{"hour": 12, "minute": 56}
